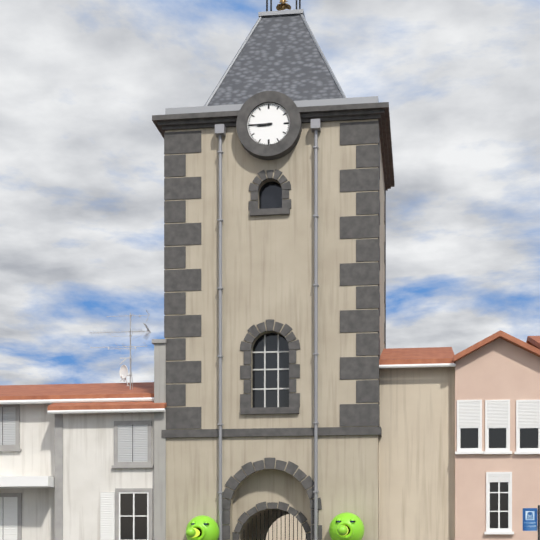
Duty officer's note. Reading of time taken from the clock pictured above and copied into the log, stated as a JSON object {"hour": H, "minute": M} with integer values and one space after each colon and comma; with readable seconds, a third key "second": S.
{"hour": 8, "minute": 45}
